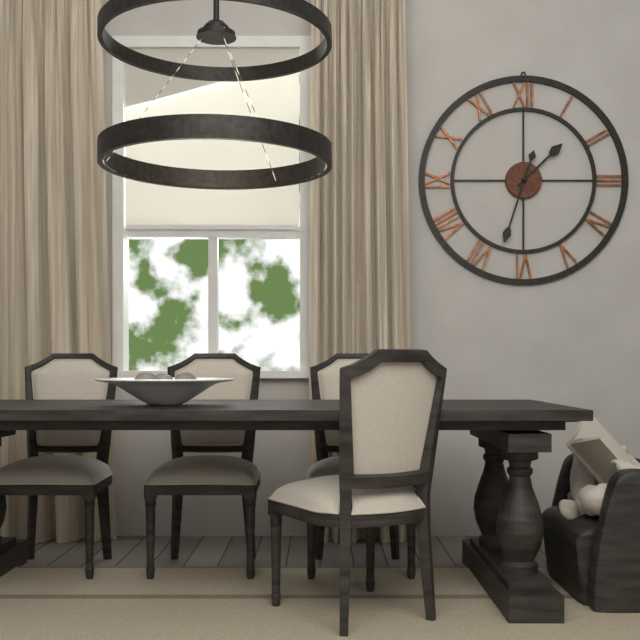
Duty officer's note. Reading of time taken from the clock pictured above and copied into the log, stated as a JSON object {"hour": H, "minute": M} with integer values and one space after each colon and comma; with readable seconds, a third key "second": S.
{"hour": 1, "minute": 33}
